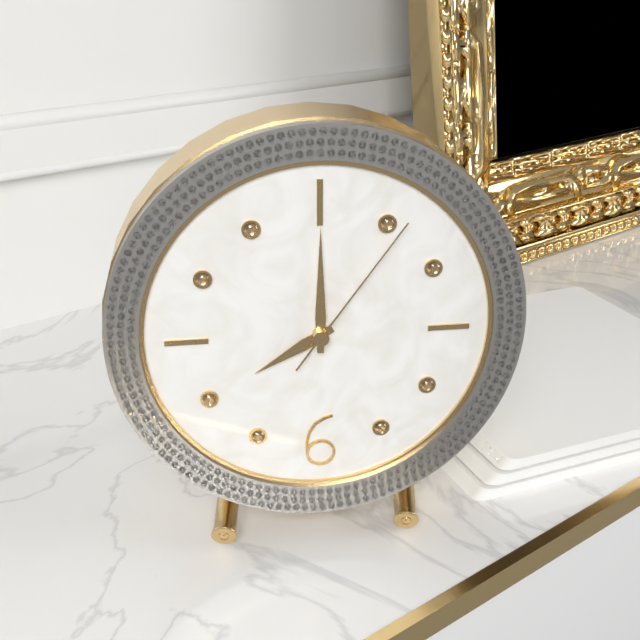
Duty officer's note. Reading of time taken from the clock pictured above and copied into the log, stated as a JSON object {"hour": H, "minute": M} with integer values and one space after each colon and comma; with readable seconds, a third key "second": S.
{"hour": 8, "minute": 0, "second": 6}
